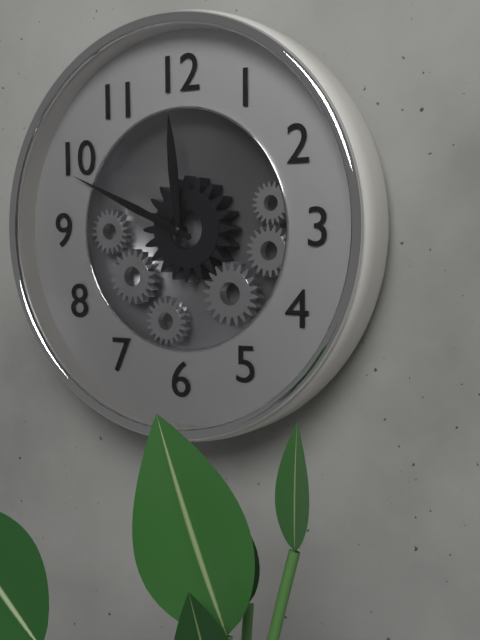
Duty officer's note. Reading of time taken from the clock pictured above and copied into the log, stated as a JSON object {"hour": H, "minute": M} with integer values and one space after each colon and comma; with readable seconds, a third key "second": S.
{"hour": 11, "minute": 49}
